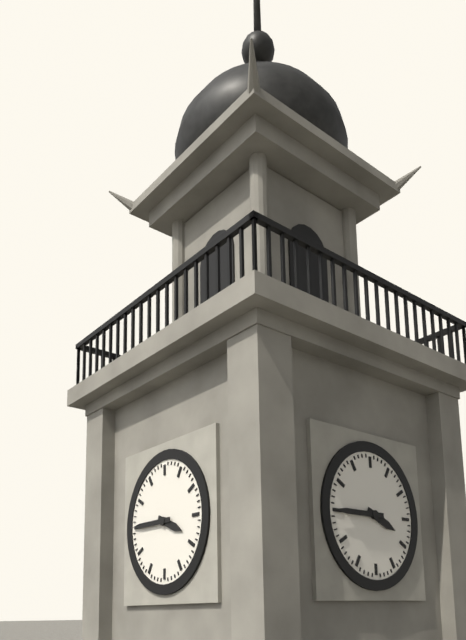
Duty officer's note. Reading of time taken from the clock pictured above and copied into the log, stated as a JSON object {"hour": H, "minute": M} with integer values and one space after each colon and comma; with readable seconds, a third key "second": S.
{"hour": 3, "minute": 45}
